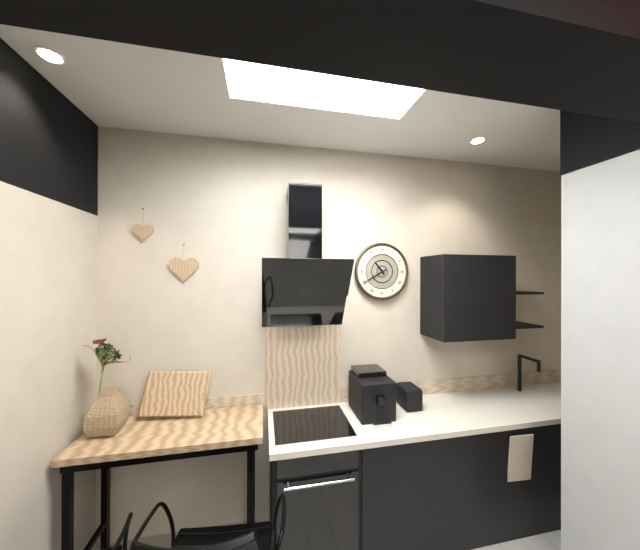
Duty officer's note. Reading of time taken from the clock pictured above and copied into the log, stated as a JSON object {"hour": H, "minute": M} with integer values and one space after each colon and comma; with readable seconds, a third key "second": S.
{"hour": 10, "minute": 40}
